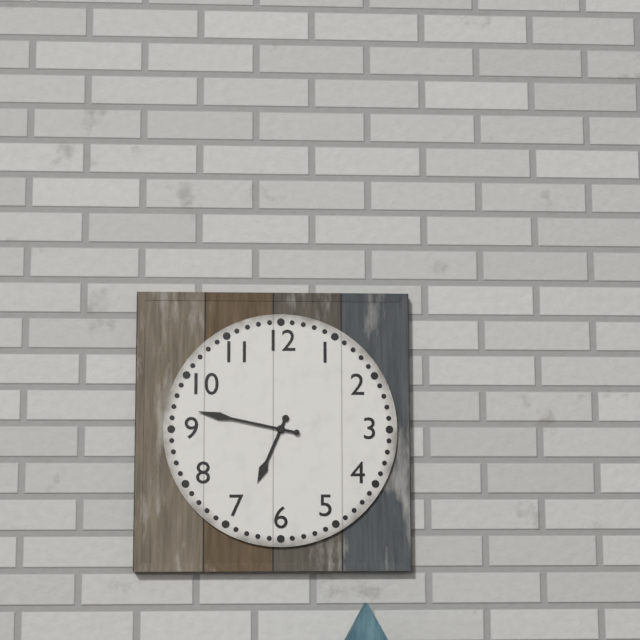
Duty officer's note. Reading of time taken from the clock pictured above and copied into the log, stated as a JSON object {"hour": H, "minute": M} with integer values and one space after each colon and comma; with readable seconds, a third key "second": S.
{"hour": 6, "minute": 47}
